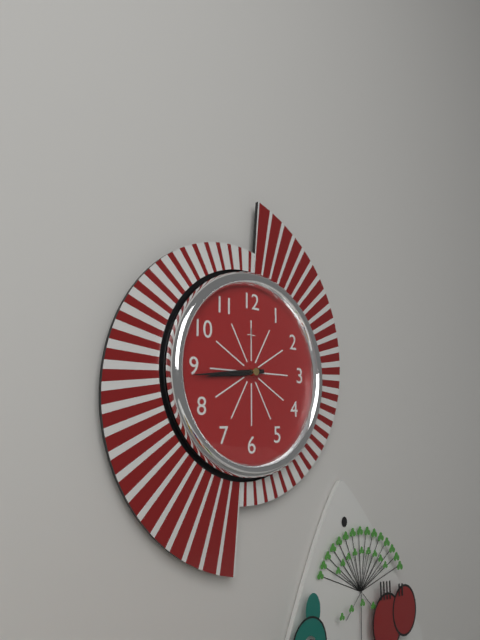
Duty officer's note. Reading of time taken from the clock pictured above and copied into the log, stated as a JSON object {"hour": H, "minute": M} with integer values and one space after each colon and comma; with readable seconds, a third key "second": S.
{"hour": 8, "minute": 44}
